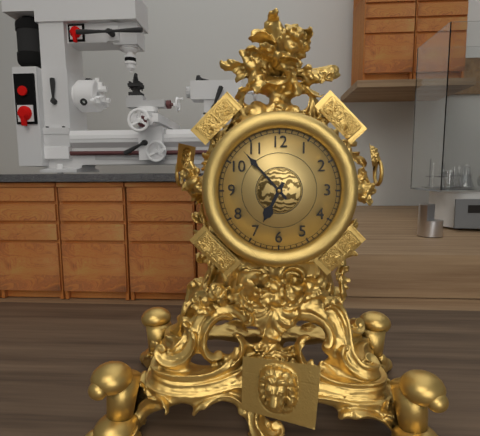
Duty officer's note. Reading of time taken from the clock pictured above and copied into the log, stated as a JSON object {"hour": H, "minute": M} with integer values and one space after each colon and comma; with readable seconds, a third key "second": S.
{"hour": 6, "minute": 53}
